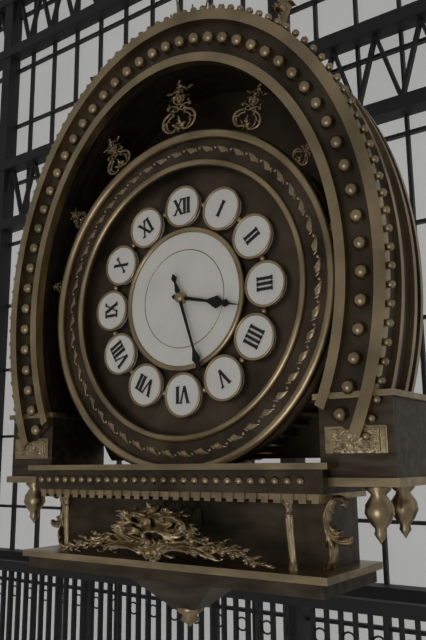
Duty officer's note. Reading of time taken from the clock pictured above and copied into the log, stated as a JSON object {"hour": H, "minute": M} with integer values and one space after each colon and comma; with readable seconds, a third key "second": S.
{"hour": 3, "minute": 27}
